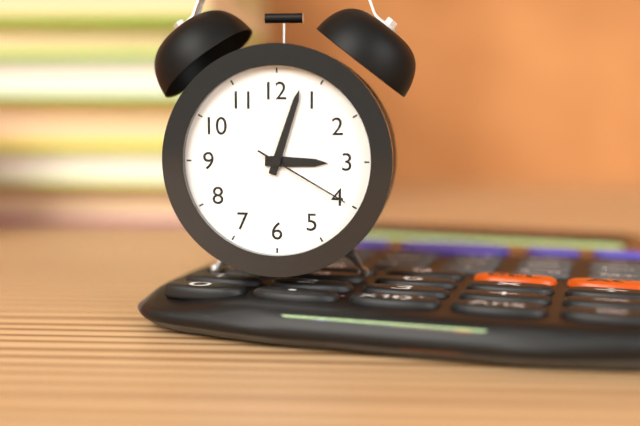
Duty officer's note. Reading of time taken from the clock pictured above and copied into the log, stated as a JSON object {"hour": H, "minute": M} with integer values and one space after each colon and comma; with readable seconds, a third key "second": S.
{"hour": 3, "minute": 3, "second": 20}
